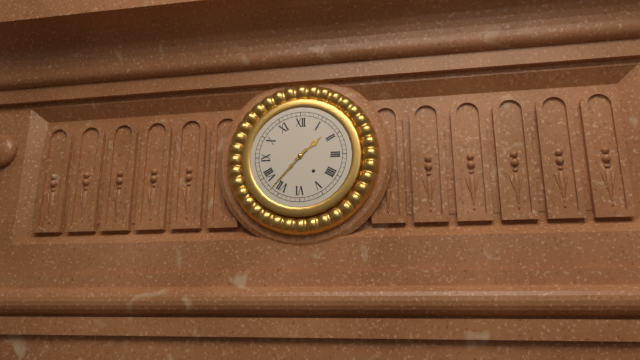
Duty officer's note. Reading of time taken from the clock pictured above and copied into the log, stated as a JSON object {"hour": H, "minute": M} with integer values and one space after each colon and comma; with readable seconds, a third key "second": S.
{"hour": 1, "minute": 37}
